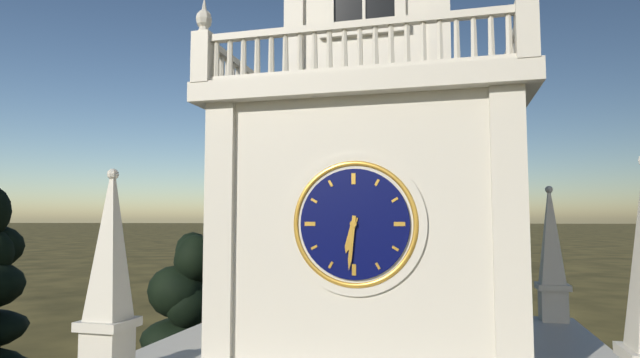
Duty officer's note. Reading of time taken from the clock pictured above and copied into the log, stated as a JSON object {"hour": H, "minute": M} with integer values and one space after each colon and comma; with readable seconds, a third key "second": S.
{"hour": 6, "minute": 31}
